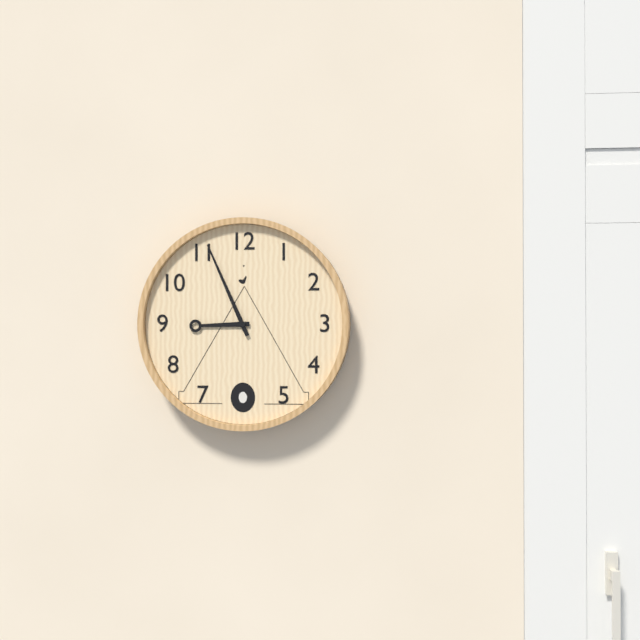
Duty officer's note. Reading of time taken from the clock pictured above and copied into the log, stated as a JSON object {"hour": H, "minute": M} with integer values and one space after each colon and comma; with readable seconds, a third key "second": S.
{"hour": 8, "minute": 56}
